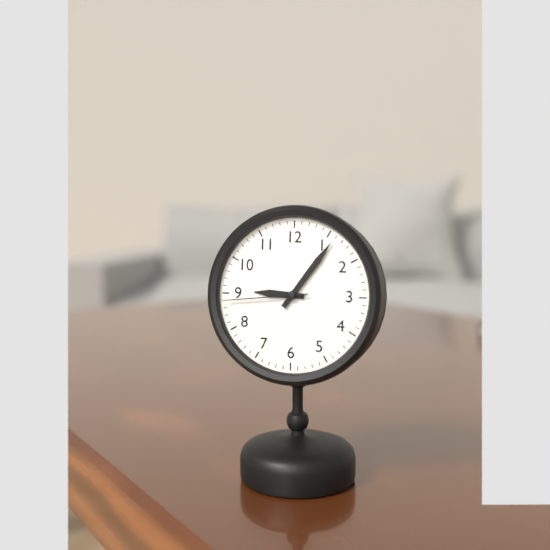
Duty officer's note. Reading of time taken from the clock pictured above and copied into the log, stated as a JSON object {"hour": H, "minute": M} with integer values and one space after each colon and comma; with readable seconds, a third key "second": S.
{"hour": 9, "minute": 6, "second": 44}
